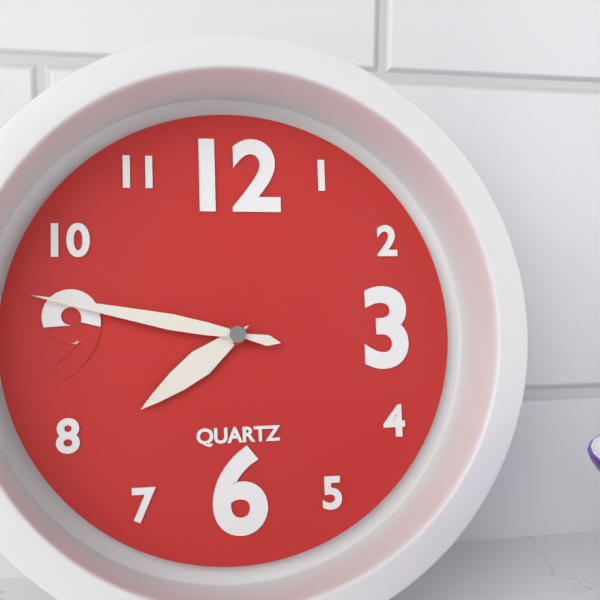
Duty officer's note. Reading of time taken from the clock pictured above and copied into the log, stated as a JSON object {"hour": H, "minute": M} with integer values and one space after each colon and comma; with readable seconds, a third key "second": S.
{"hour": 7, "minute": 47}
